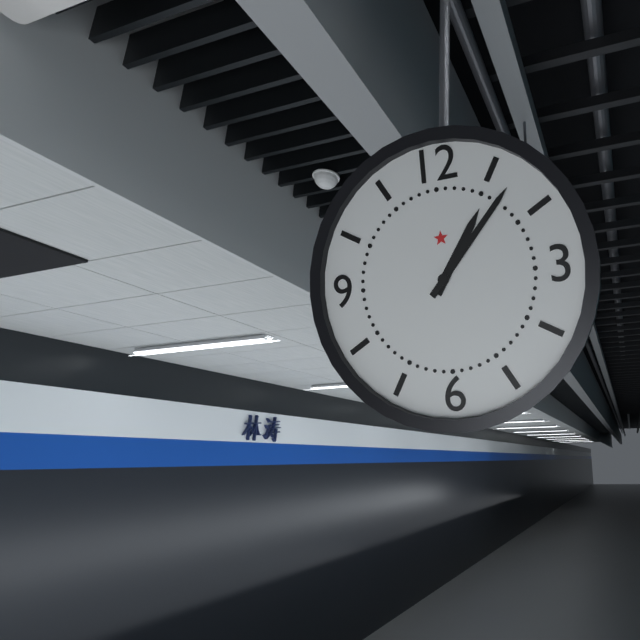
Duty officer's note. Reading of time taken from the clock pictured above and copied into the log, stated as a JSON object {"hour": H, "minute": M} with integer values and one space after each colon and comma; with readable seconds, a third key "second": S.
{"hour": 1, "minute": 7}
